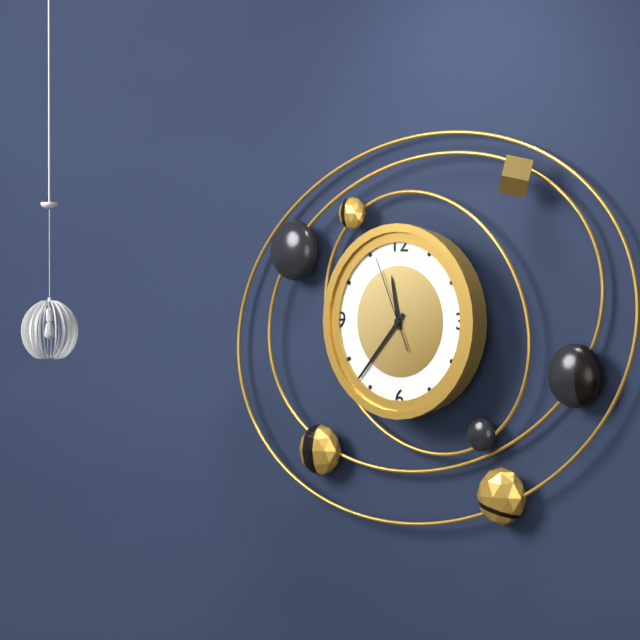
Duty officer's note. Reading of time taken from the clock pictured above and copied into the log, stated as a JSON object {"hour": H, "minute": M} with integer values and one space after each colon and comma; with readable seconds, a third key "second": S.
{"hour": 11, "minute": 37, "second": 56}
